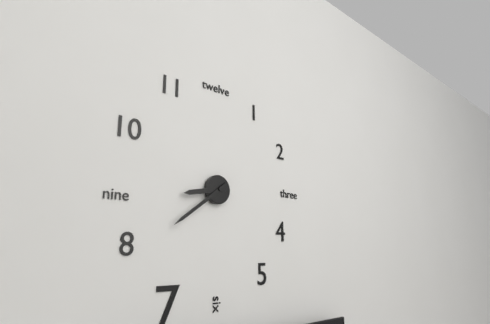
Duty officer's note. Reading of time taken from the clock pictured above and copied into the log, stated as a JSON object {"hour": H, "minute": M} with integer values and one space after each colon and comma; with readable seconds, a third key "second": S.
{"hour": 8, "minute": 39}
